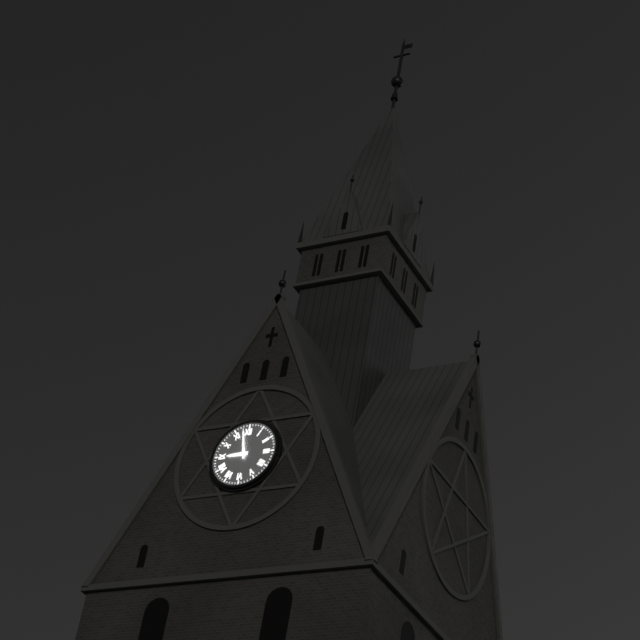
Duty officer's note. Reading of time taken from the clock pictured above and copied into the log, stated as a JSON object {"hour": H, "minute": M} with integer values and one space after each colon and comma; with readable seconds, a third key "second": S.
{"hour": 8, "minute": 58}
